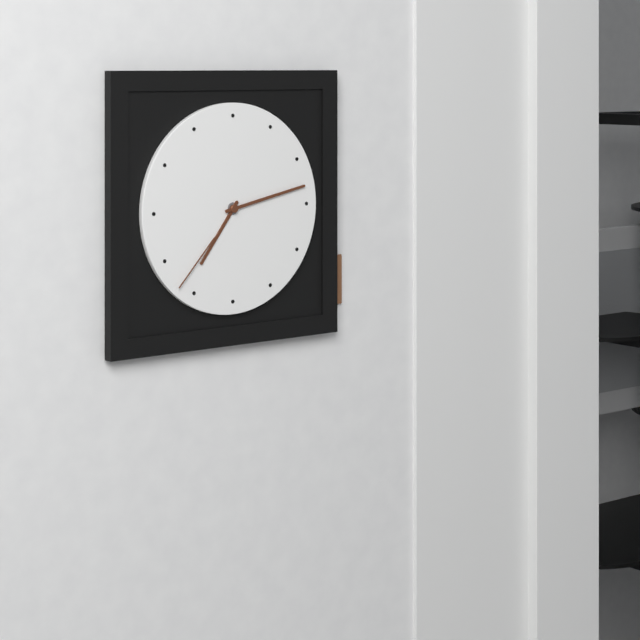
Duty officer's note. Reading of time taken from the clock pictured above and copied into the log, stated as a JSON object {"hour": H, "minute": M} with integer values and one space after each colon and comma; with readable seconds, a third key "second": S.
{"hour": 7, "minute": 13, "second": 37}
